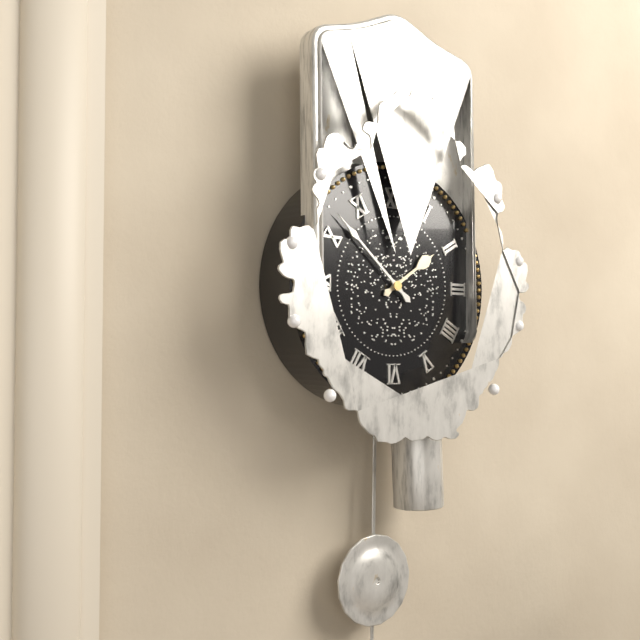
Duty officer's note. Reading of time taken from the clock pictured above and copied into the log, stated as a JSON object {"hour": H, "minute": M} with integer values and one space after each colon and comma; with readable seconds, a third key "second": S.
{"hour": 1, "minute": 52}
